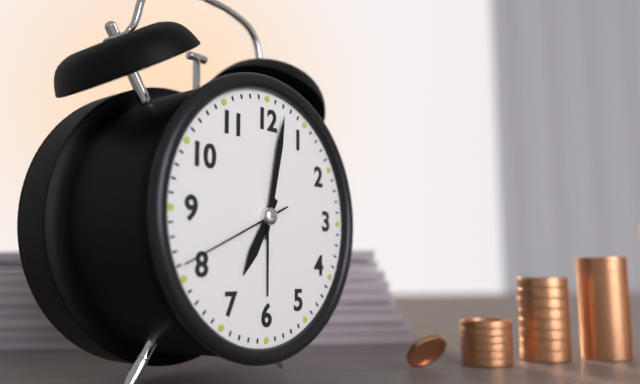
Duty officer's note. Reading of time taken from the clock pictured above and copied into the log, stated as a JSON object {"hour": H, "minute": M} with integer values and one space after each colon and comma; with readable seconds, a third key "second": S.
{"hour": 7, "minute": 2, "second": 41}
